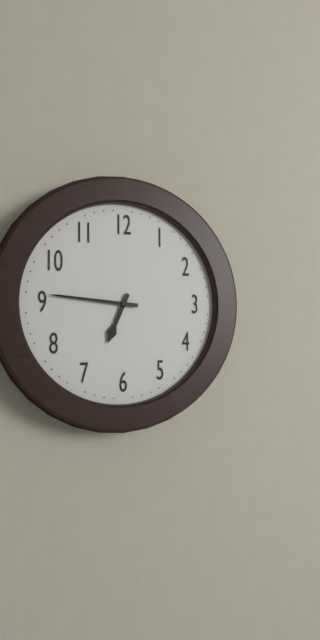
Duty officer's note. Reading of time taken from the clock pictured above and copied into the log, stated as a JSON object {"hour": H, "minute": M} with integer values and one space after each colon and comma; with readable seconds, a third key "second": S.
{"hour": 6, "minute": 46}
